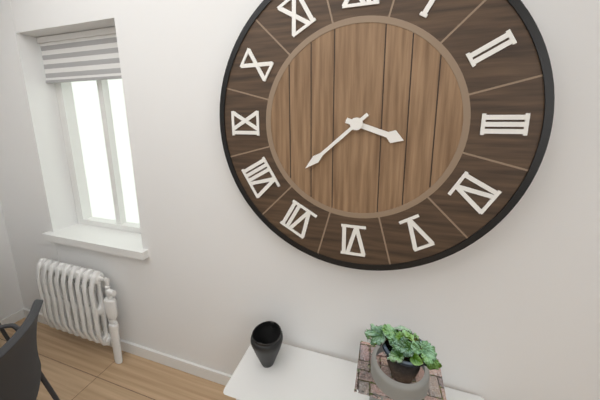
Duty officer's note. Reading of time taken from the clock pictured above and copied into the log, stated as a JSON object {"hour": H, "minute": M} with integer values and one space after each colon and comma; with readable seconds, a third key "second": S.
{"hour": 3, "minute": 38}
